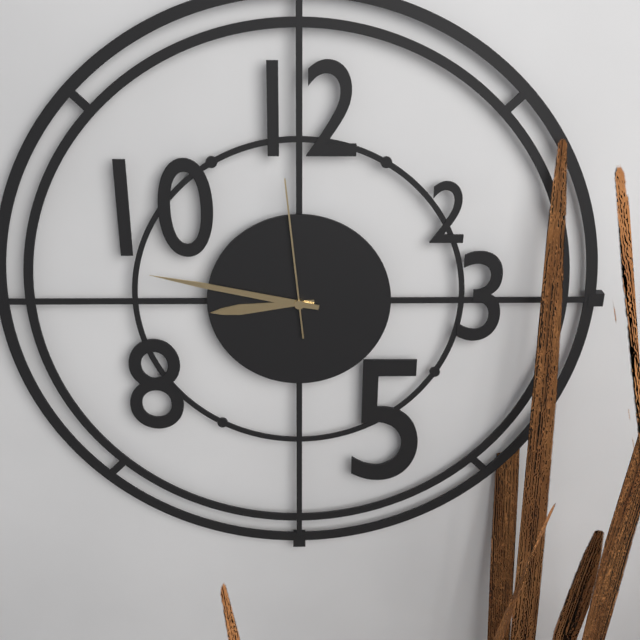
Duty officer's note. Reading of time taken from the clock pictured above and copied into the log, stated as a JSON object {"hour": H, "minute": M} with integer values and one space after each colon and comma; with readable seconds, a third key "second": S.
{"hour": 8, "minute": 47, "second": 59}
